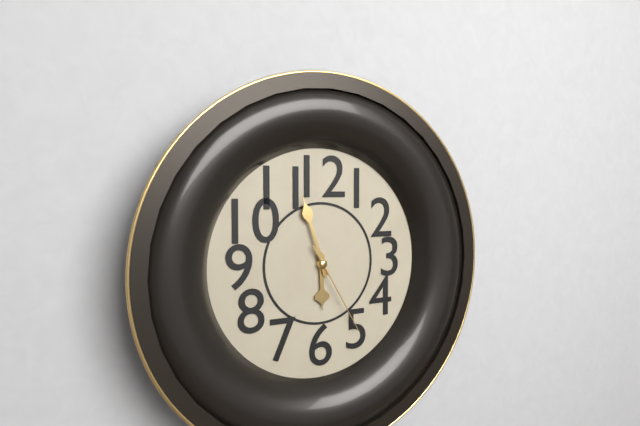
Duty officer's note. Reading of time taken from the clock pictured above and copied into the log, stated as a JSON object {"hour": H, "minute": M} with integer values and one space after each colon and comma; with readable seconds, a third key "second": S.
{"hour": 5, "minute": 57, "second": 25}
